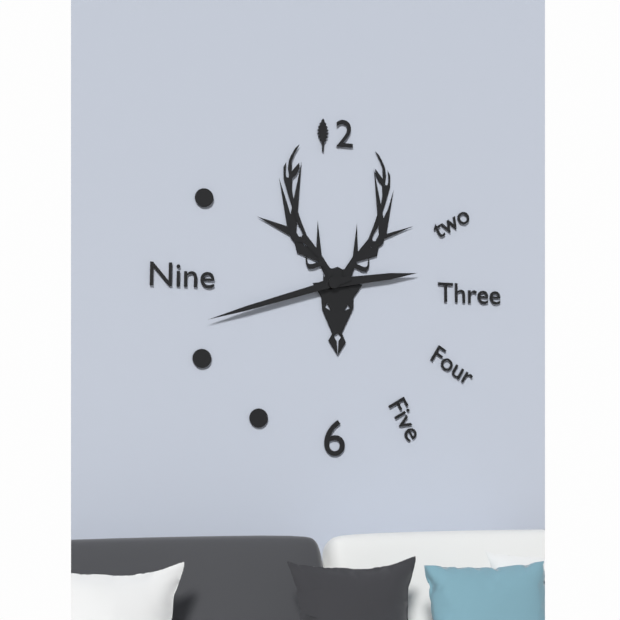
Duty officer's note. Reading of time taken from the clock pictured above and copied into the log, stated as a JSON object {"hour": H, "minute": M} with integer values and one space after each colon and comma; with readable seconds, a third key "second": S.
{"hour": 2, "minute": 42}
